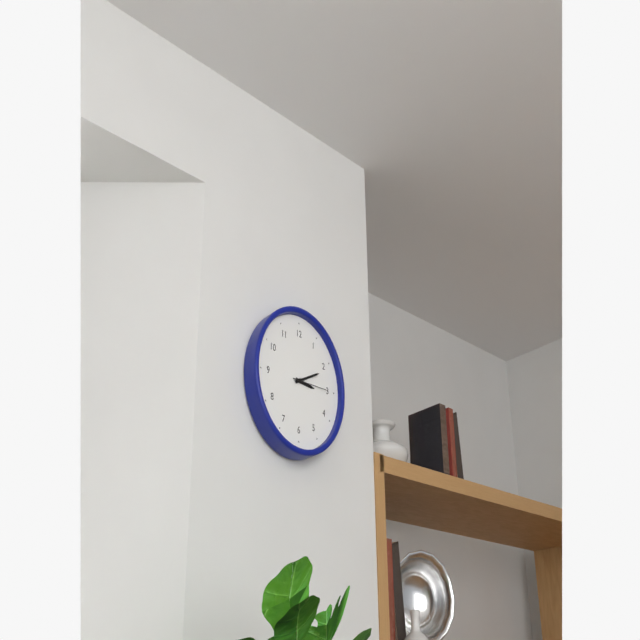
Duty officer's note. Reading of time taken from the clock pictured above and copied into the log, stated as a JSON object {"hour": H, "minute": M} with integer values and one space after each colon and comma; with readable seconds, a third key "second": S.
{"hour": 3, "minute": 11}
